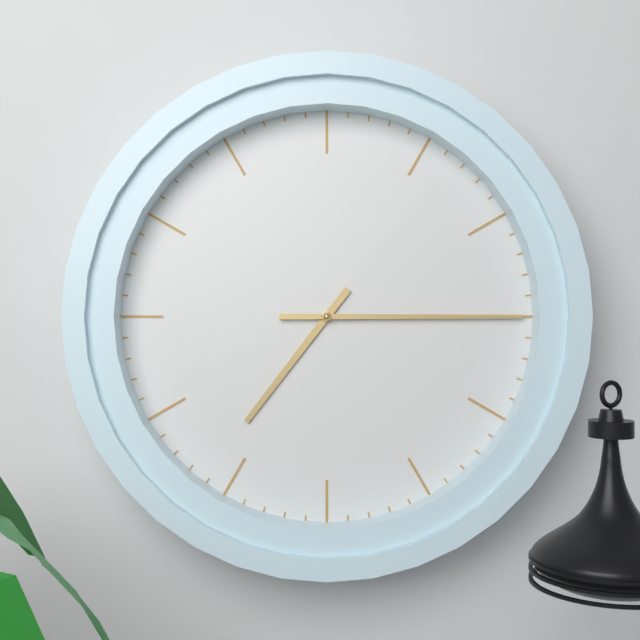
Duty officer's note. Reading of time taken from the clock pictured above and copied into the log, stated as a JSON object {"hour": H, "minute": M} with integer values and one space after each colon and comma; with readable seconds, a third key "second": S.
{"hour": 7, "minute": 15}
